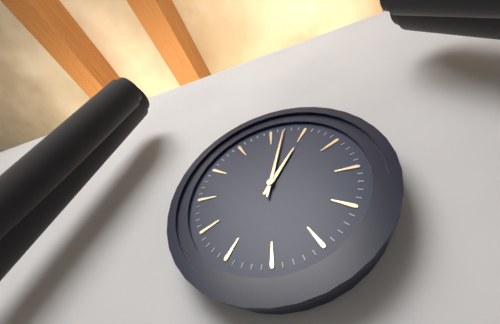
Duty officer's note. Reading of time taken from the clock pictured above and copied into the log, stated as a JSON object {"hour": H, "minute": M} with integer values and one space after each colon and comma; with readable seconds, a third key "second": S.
{"hour": 1, "minute": 2}
